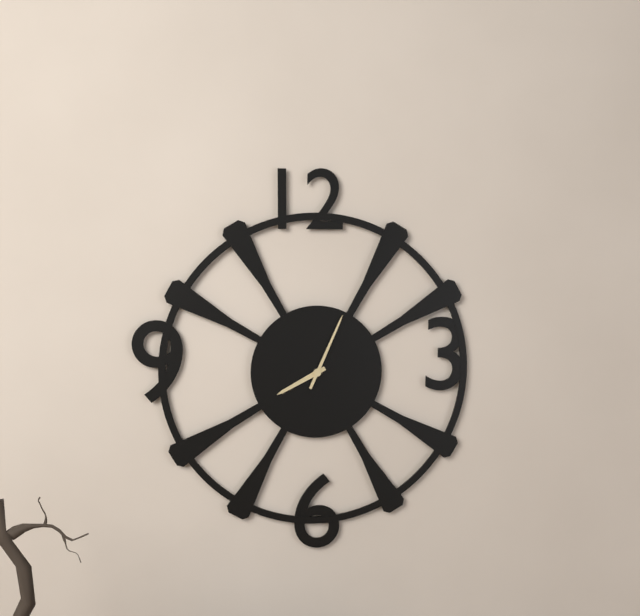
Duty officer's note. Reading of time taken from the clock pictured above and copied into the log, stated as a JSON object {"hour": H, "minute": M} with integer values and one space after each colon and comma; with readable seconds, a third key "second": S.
{"hour": 8, "minute": 4}
